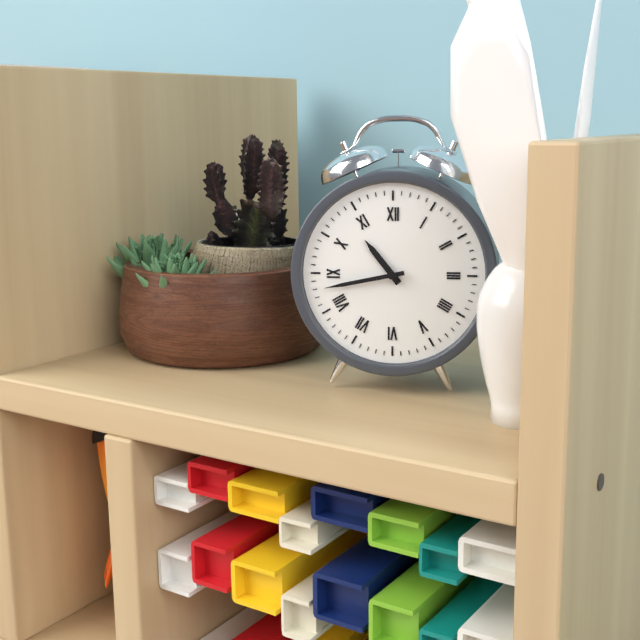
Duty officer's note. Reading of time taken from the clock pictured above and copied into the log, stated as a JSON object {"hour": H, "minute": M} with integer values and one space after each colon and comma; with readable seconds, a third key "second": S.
{"hour": 10, "minute": 43}
